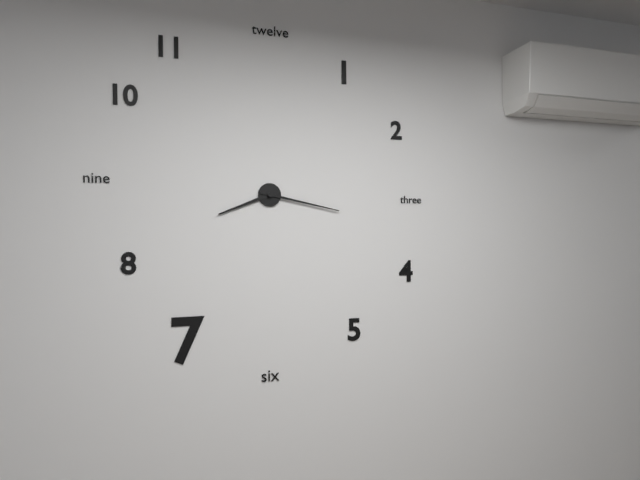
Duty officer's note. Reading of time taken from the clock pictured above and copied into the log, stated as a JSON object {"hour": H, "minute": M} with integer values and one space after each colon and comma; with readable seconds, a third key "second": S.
{"hour": 8, "minute": 17}
